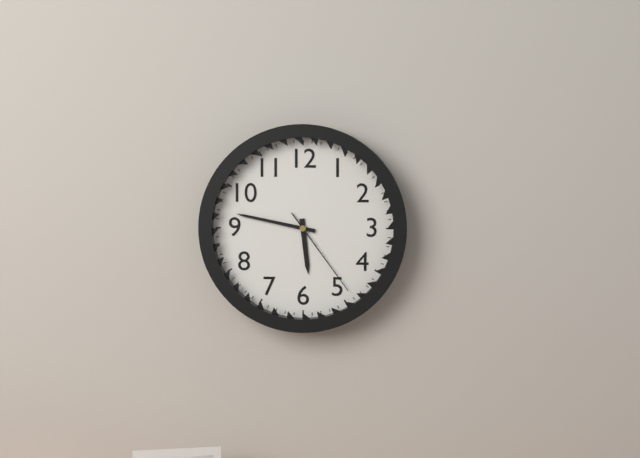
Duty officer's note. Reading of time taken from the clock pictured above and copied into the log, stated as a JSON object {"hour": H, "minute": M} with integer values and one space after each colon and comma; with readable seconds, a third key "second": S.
{"hour": 5, "minute": 47, "second": 24}
